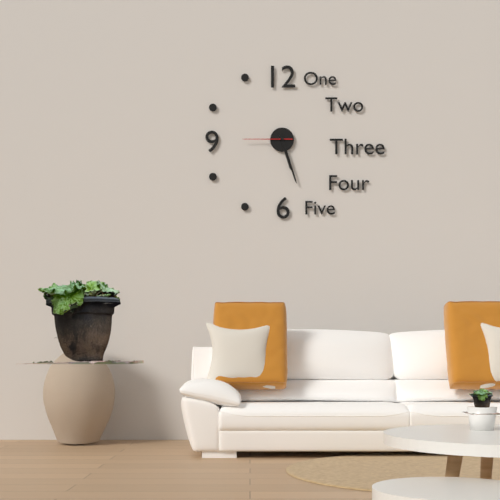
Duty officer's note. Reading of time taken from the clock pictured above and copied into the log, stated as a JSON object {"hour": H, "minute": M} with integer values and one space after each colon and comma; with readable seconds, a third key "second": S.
{"hour": 5, "minute": 27, "second": 45}
